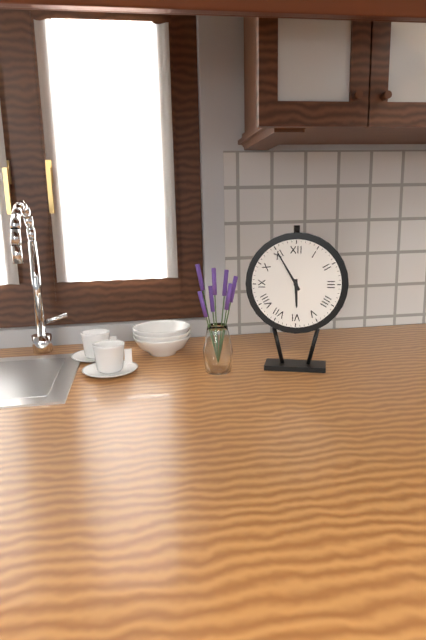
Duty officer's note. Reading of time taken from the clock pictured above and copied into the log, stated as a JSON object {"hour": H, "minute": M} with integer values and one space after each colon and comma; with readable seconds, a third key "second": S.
{"hour": 5, "minute": 55}
